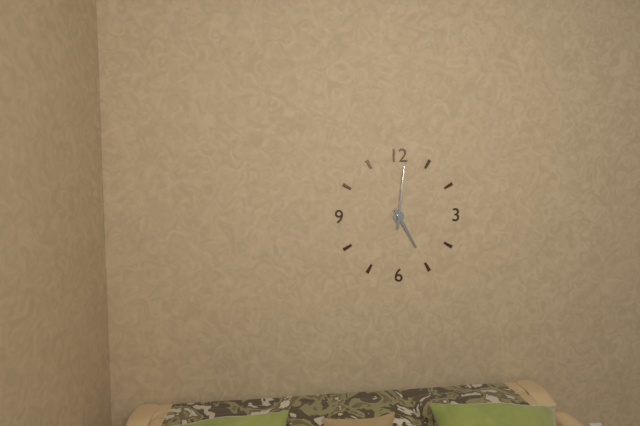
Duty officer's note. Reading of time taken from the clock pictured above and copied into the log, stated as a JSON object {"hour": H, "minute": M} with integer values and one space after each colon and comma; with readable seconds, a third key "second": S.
{"hour": 5, "minute": 1}
